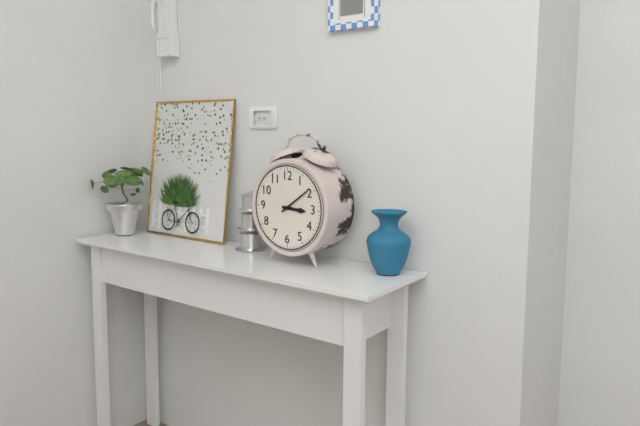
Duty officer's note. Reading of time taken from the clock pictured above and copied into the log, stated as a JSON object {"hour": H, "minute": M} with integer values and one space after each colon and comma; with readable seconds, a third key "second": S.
{"hour": 3, "minute": 9}
